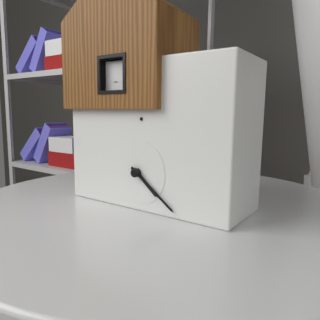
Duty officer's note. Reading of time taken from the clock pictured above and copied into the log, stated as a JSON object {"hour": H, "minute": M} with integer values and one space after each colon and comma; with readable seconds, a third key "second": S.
{"hour": 4, "minute": 21}
